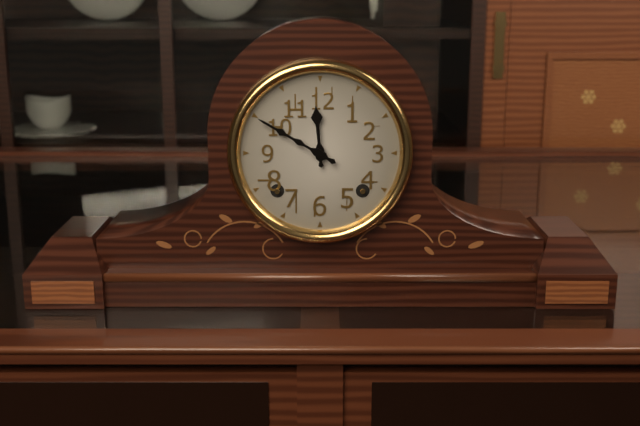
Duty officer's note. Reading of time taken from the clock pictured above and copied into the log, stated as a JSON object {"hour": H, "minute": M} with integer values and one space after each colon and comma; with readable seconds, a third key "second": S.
{"hour": 11, "minute": 50}
